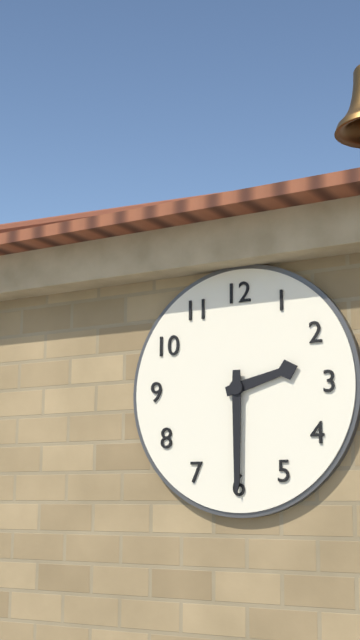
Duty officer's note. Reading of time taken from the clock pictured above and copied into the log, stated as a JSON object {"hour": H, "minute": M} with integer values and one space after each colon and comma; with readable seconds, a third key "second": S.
{"hour": 2, "minute": 30}
